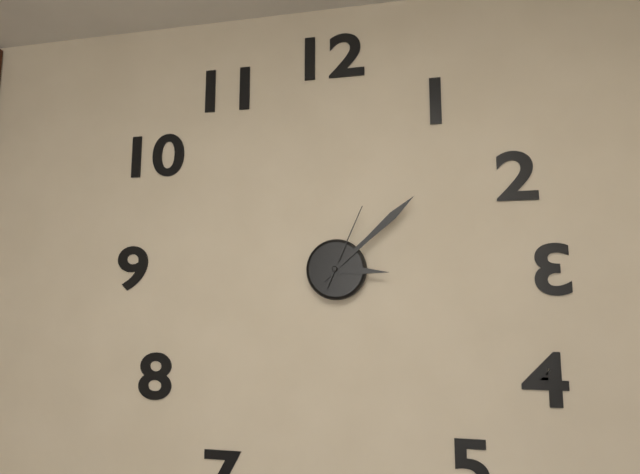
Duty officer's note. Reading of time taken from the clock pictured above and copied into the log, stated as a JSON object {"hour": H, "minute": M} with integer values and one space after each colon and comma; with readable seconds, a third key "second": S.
{"hour": 3, "minute": 8, "second": 4}
